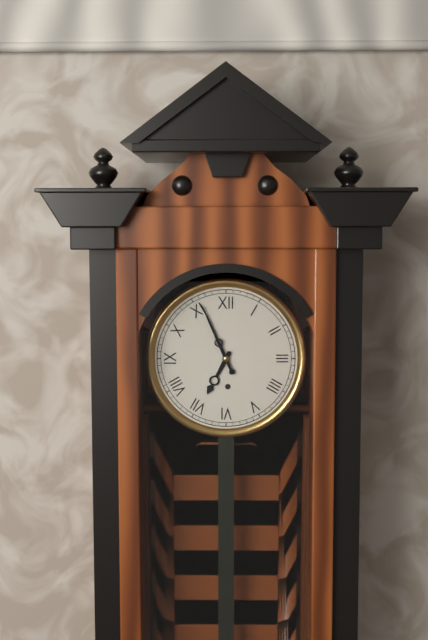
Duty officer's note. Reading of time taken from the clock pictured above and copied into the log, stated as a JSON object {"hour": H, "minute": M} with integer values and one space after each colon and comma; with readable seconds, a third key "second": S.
{"hour": 6, "minute": 56}
